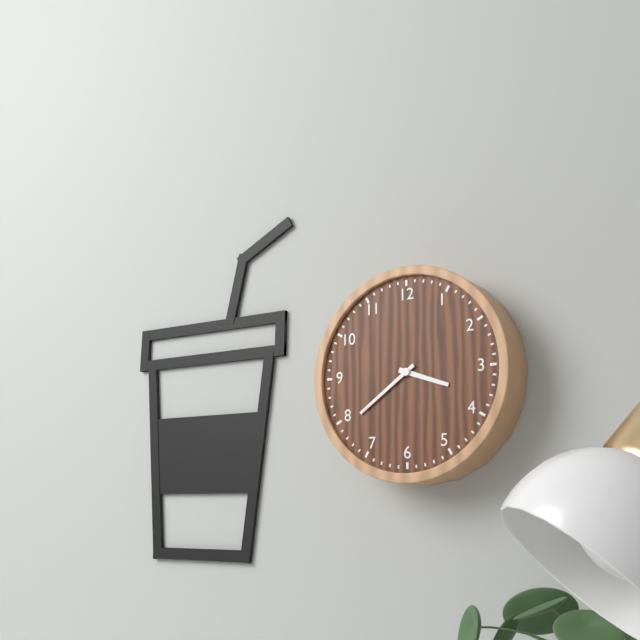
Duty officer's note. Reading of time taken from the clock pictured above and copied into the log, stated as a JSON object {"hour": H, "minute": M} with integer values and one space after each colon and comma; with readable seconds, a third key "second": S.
{"hour": 3, "minute": 39}
